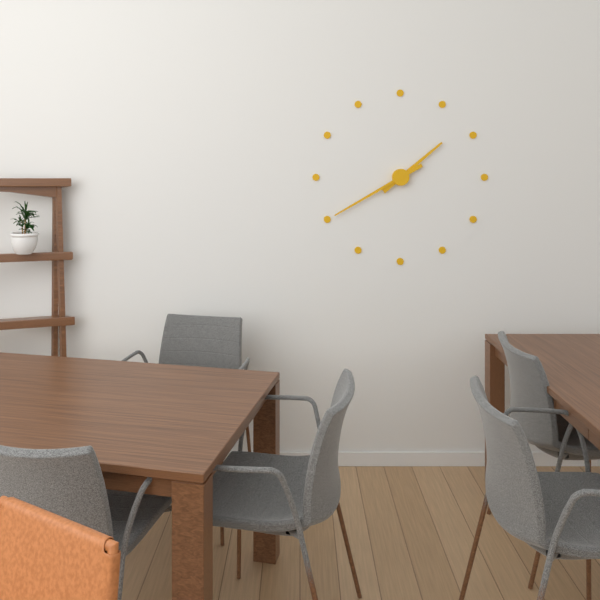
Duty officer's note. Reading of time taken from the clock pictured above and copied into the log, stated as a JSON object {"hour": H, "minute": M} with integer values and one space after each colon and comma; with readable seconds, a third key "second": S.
{"hour": 1, "minute": 40}
